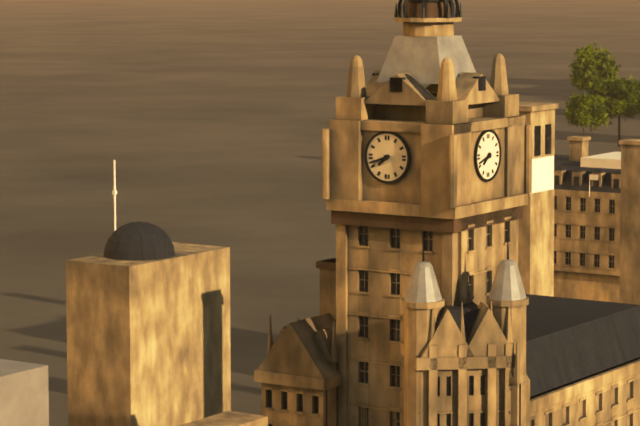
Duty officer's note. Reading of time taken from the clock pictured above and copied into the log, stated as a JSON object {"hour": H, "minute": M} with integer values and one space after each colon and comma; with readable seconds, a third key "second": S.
{"hour": 7, "minute": 42}
